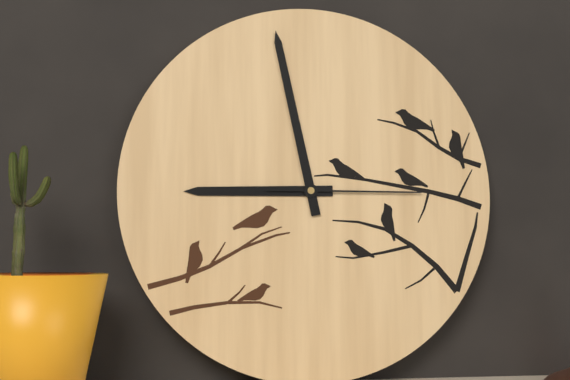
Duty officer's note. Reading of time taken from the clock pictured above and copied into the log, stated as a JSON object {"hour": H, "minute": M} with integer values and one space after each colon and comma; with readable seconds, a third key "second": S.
{"hour": 8, "minute": 58, "second": 15}
